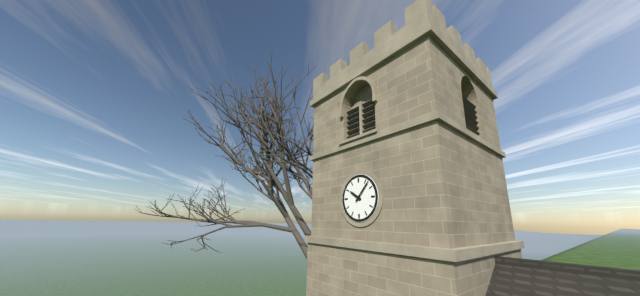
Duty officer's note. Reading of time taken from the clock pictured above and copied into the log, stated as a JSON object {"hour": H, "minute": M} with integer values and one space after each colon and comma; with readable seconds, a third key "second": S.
{"hour": 10, "minute": 7}
